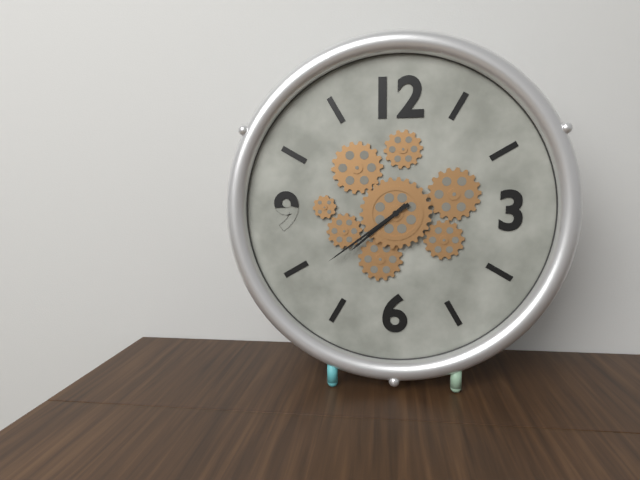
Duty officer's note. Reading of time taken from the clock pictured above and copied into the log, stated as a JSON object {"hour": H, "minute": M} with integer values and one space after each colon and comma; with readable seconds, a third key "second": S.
{"hour": 7, "minute": 39}
